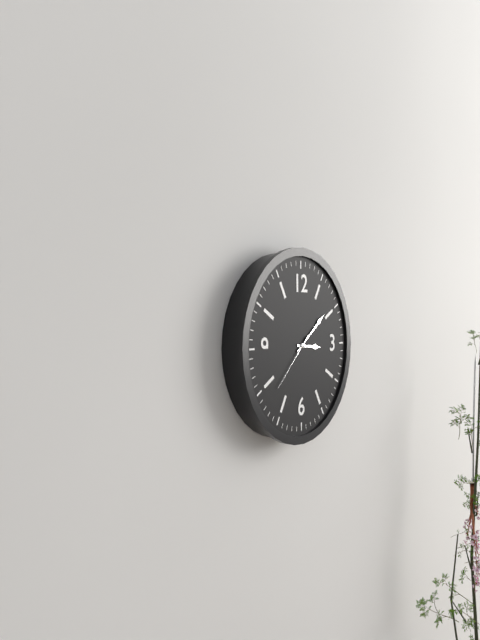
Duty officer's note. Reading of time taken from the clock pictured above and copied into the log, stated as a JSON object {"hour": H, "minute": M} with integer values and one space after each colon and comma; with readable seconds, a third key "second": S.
{"hour": 3, "minute": 9, "second": 38}
